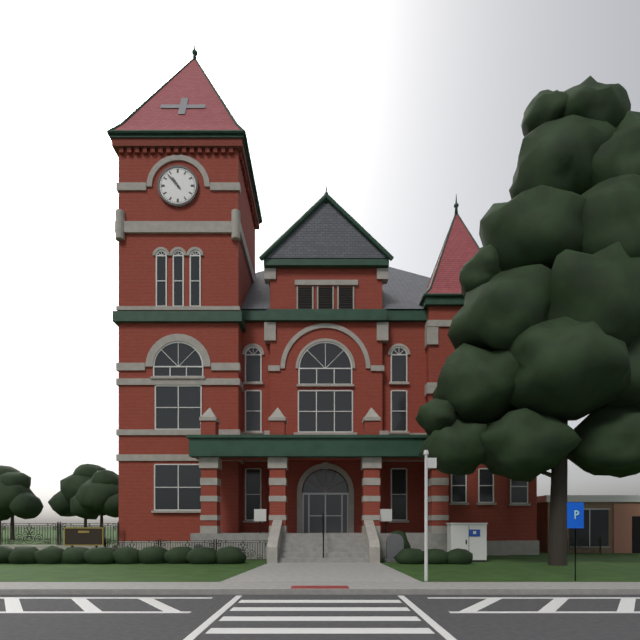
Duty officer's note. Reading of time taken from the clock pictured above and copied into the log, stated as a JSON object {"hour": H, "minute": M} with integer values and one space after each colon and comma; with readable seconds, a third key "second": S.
{"hour": 10, "minute": 53}
